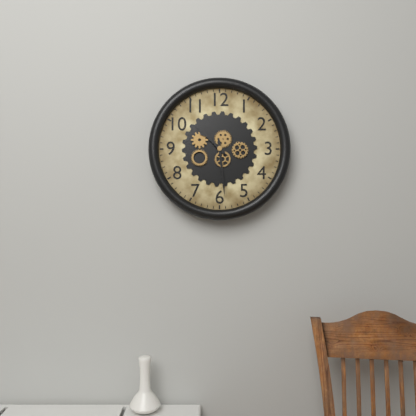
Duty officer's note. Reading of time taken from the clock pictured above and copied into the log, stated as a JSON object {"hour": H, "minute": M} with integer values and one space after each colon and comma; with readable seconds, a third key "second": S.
{"hour": 10, "minute": 29}
